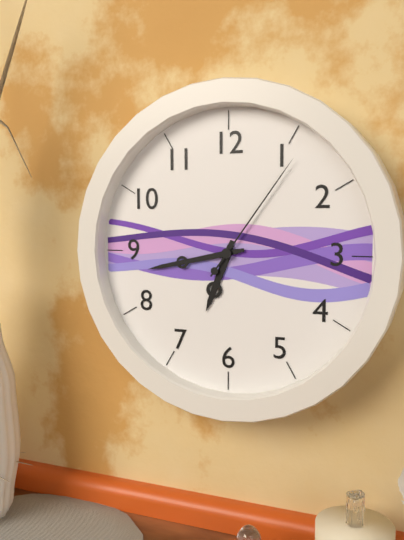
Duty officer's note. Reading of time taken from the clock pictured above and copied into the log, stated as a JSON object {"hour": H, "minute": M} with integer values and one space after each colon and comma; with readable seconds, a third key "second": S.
{"hour": 6, "minute": 43, "second": 6}
